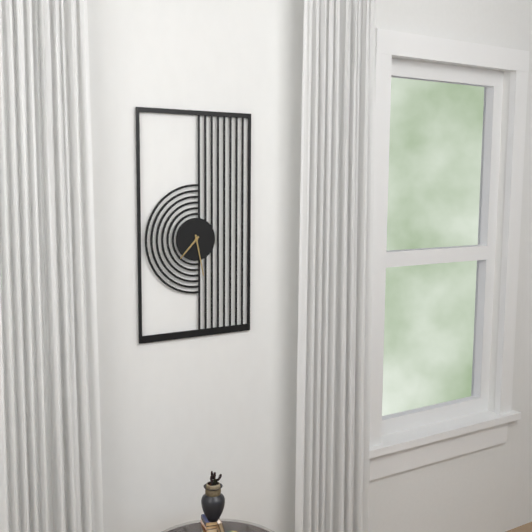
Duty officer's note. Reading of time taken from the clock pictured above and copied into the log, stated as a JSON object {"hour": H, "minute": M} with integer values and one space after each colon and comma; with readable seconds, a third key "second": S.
{"hour": 7, "minute": 28}
